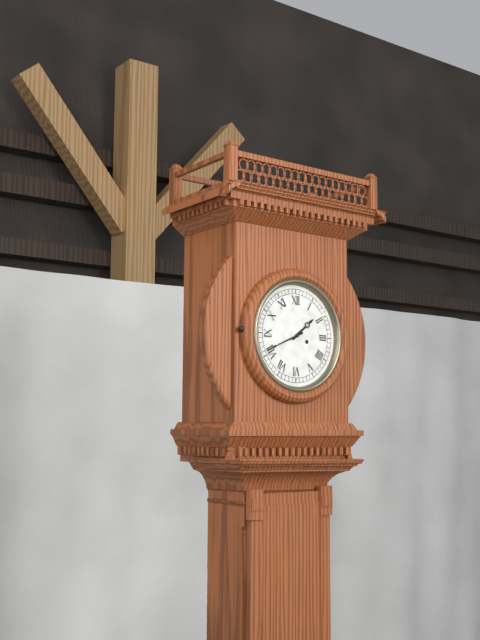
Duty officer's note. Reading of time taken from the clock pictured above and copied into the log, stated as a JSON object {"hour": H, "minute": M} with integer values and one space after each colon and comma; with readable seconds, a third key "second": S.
{"hour": 1, "minute": 41}
